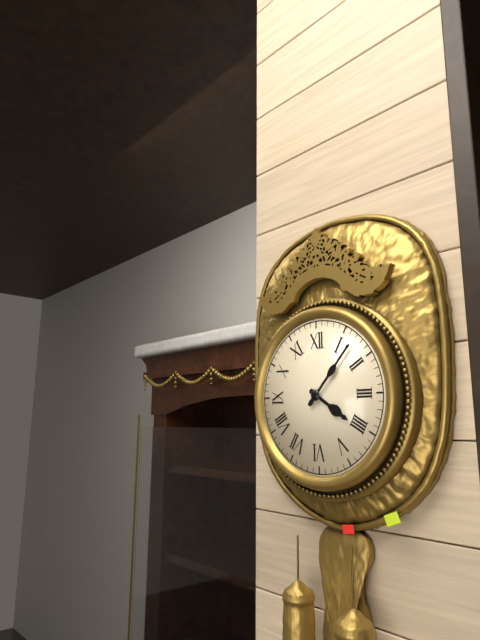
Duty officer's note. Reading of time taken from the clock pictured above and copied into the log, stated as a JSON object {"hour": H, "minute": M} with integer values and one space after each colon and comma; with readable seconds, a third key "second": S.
{"hour": 4, "minute": 7}
